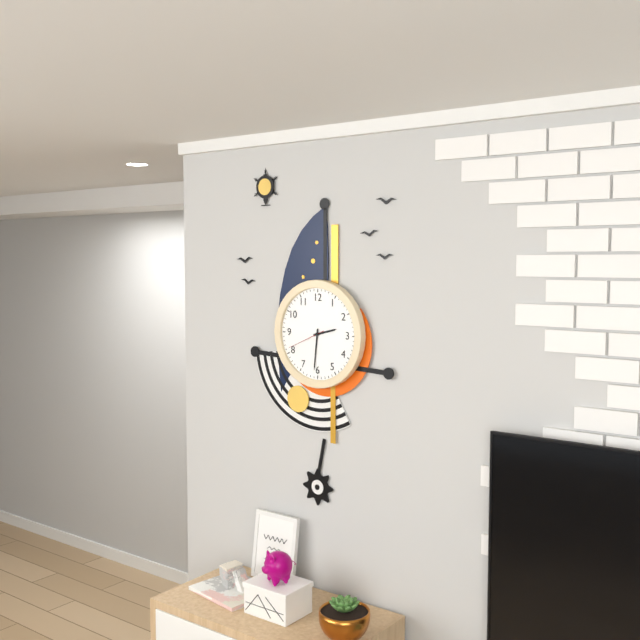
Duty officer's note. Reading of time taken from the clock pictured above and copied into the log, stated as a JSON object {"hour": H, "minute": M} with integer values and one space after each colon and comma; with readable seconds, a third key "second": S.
{"hour": 2, "minute": 31}
